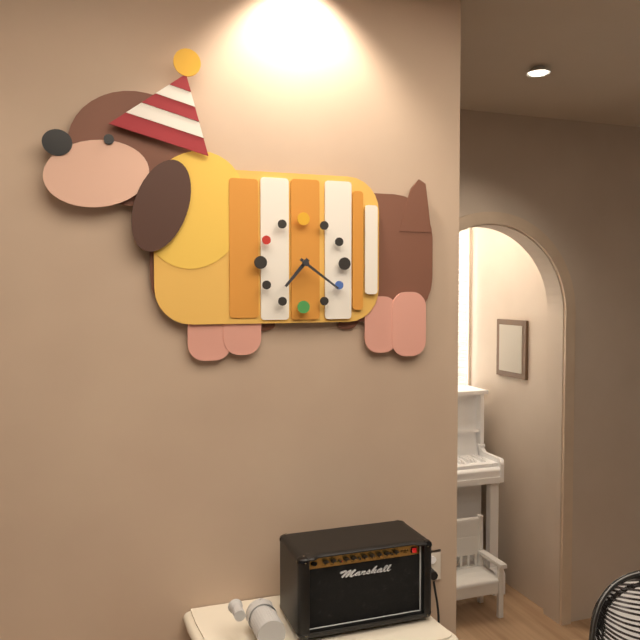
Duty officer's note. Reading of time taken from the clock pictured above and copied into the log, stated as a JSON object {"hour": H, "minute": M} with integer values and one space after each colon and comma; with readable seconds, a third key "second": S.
{"hour": 7, "minute": 21}
